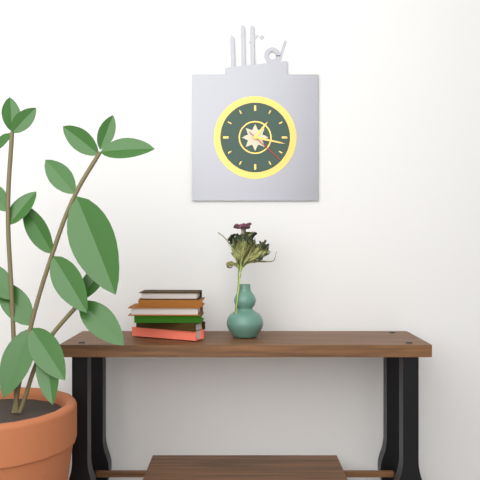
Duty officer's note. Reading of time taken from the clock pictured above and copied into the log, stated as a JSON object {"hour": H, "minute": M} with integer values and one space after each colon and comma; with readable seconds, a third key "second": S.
{"hour": 1, "minute": 17}
